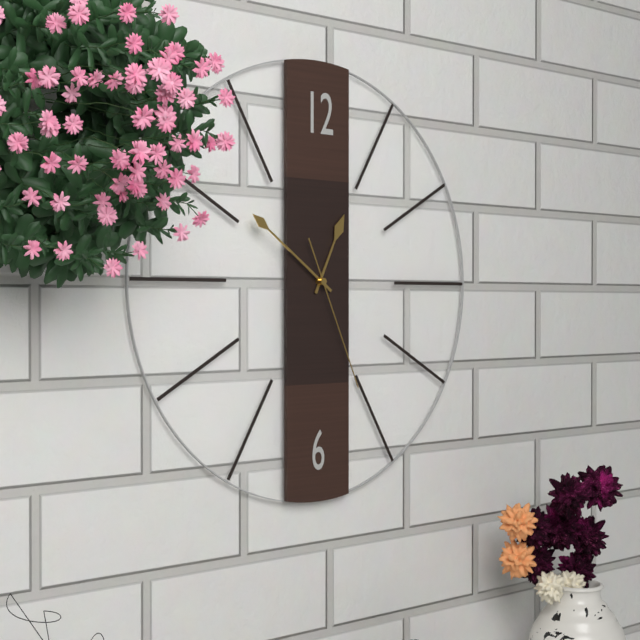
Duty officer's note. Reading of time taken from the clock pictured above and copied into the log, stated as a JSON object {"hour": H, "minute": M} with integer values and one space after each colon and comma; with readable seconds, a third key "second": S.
{"hour": 12, "minute": 51, "second": 26}
